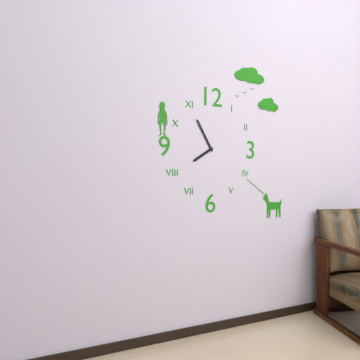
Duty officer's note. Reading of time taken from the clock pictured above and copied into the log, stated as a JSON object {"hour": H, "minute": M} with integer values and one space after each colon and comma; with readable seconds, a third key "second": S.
{"hour": 7, "minute": 55}
